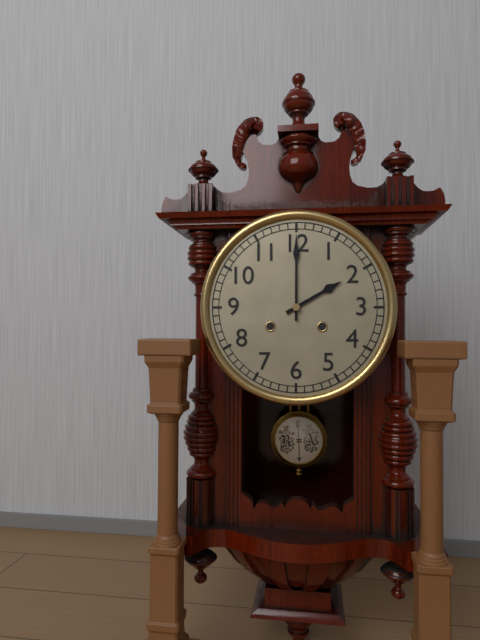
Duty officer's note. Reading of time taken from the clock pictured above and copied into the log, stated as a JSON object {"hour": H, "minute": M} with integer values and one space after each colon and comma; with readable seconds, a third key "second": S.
{"hour": 2, "minute": 0}
